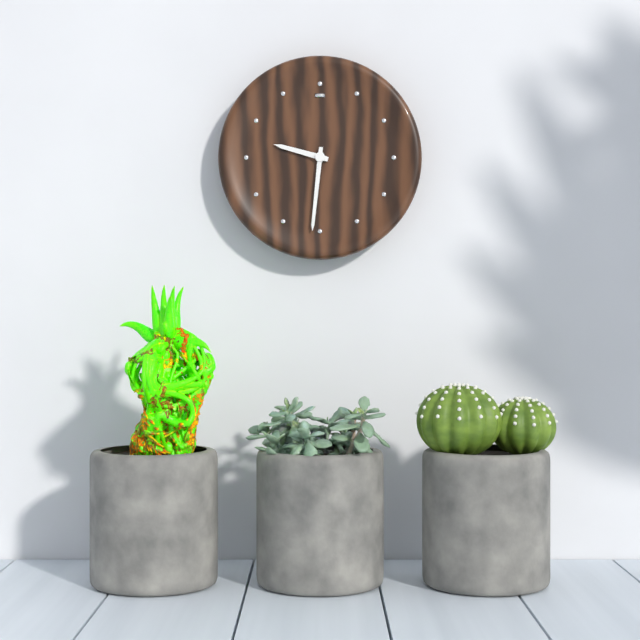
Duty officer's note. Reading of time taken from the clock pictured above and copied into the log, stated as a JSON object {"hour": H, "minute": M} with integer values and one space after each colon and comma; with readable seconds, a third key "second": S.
{"hour": 9, "minute": 31}
